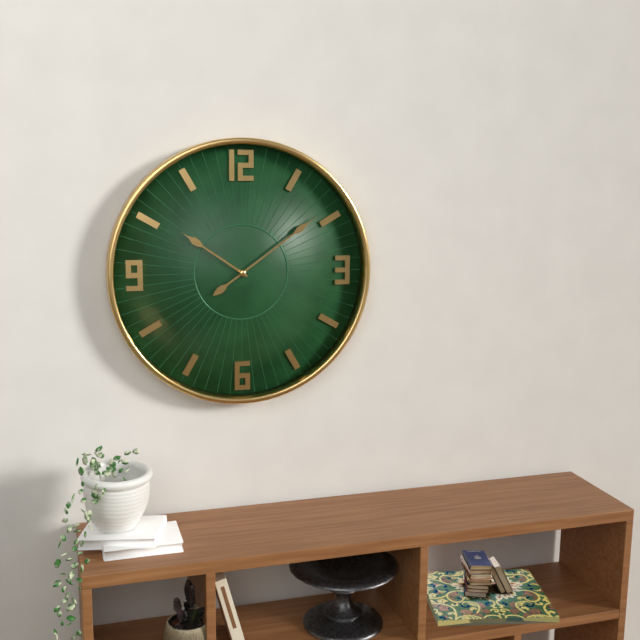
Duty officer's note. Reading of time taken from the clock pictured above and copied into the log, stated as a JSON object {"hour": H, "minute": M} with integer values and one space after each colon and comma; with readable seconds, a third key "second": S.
{"hour": 10, "minute": 9}
